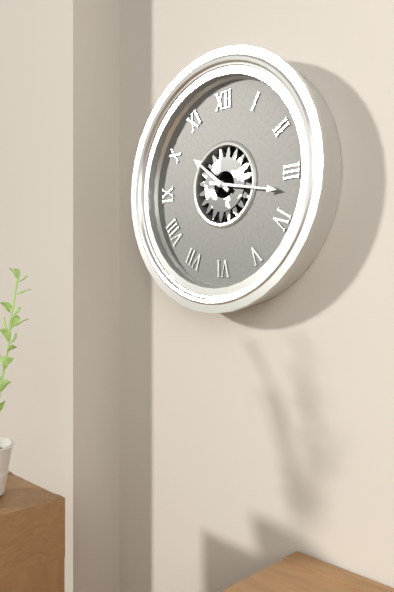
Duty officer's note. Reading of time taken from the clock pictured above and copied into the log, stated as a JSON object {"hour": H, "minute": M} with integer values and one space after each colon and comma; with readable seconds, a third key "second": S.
{"hour": 10, "minute": 17}
